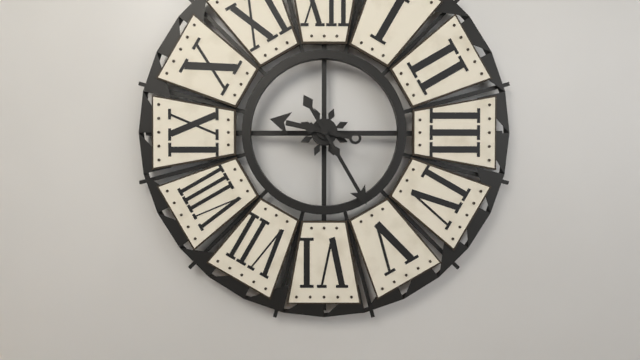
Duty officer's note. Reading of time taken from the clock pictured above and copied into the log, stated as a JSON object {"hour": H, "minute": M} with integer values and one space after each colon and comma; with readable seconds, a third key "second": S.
{"hour": 9, "minute": 25}
